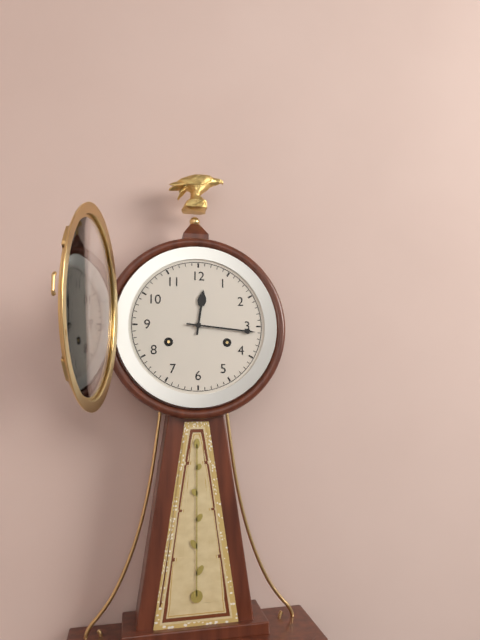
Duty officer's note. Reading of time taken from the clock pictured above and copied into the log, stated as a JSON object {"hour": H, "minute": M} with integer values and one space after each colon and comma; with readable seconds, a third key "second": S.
{"hour": 12, "minute": 16}
